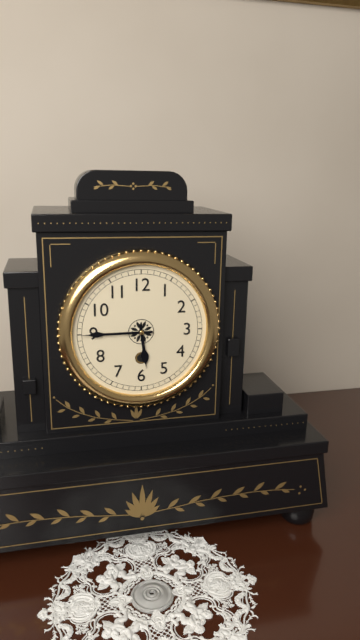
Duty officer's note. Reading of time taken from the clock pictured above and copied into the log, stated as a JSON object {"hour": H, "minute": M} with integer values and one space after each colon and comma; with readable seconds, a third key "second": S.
{"hour": 5, "minute": 45}
